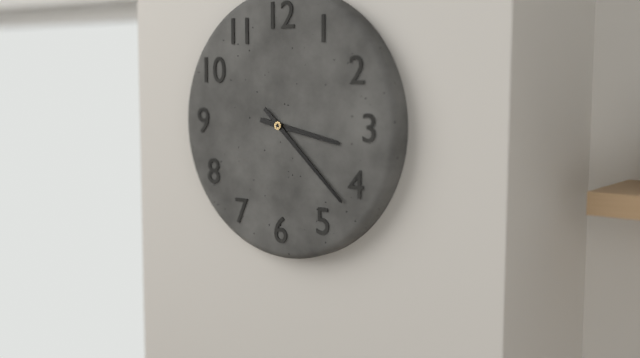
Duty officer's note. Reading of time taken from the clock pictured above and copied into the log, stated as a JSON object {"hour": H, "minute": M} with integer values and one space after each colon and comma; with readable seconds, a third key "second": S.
{"hour": 3, "minute": 22}
